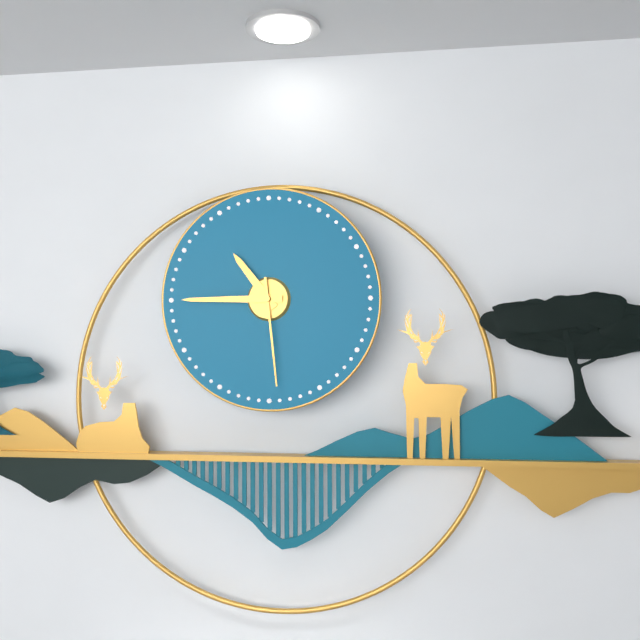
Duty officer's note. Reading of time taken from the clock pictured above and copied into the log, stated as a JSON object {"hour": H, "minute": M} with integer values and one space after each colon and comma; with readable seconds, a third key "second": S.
{"hour": 10, "minute": 45, "second": 29}
